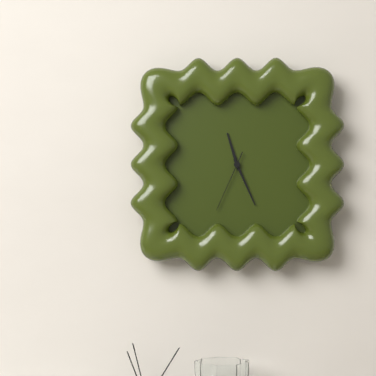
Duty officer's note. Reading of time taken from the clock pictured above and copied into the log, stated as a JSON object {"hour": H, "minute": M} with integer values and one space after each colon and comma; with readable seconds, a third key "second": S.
{"hour": 11, "minute": 26, "second": 34}
